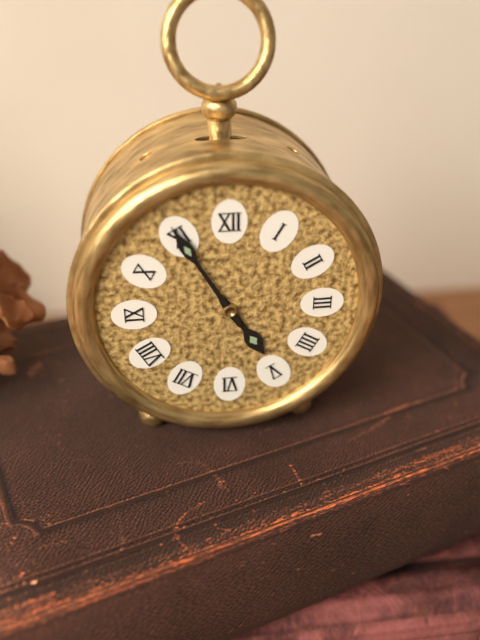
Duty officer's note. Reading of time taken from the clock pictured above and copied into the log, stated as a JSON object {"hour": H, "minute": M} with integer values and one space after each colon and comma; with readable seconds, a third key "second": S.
{"hour": 4, "minute": 55}
